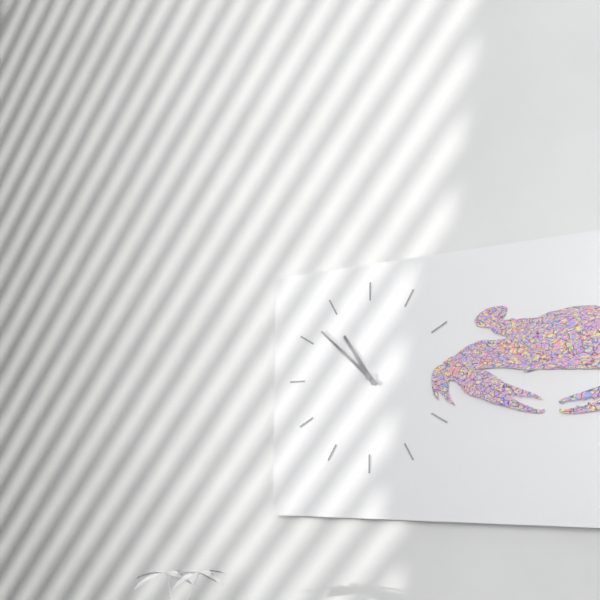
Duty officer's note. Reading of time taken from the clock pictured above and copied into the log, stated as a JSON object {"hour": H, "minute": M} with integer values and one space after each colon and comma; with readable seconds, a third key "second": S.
{"hour": 10, "minute": 52}
